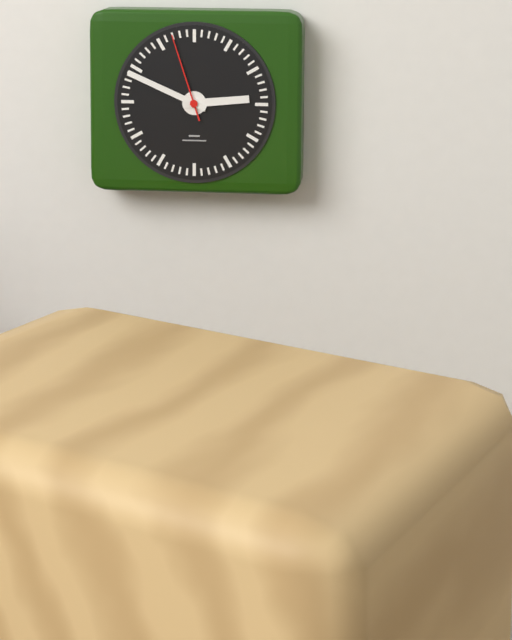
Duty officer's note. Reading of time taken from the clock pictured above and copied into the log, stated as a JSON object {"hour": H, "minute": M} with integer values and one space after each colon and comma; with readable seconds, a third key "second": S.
{"hour": 2, "minute": 49, "second": 57}
